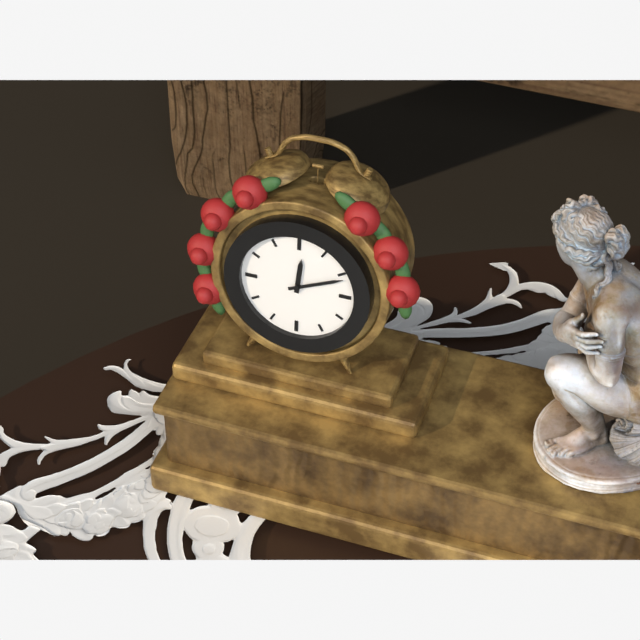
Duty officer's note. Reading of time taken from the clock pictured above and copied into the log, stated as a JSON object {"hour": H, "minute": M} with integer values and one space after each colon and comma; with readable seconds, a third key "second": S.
{"hour": 12, "minute": 11}
